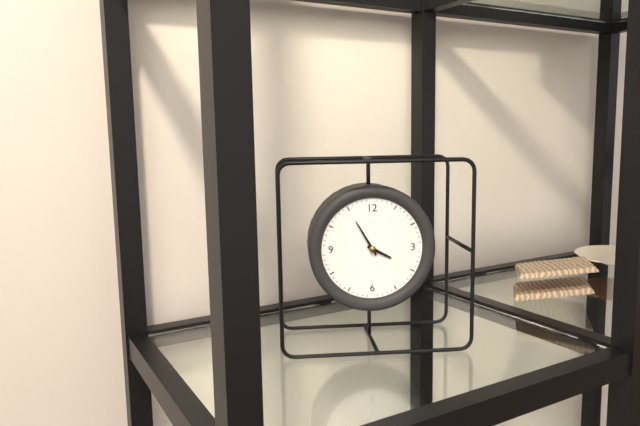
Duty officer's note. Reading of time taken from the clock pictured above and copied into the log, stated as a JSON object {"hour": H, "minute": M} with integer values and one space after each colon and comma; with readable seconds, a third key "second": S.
{"hour": 3, "minute": 55}
